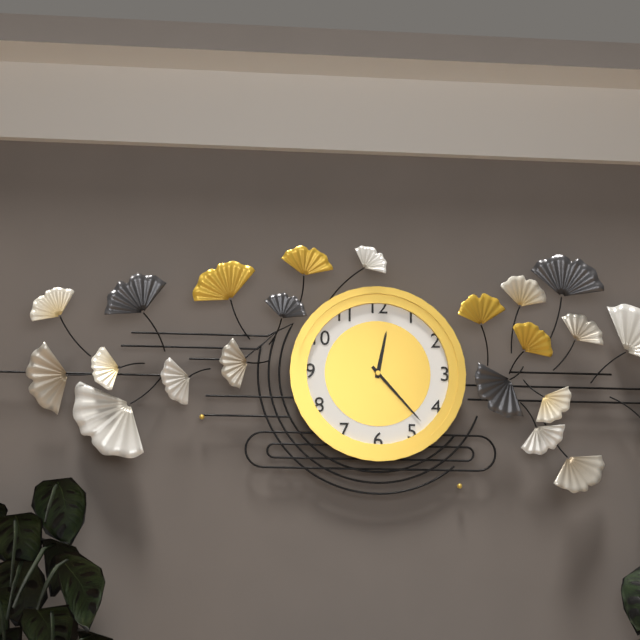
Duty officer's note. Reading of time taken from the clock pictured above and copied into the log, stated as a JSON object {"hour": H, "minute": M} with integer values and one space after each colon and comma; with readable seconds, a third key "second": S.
{"hour": 12, "minute": 23}
